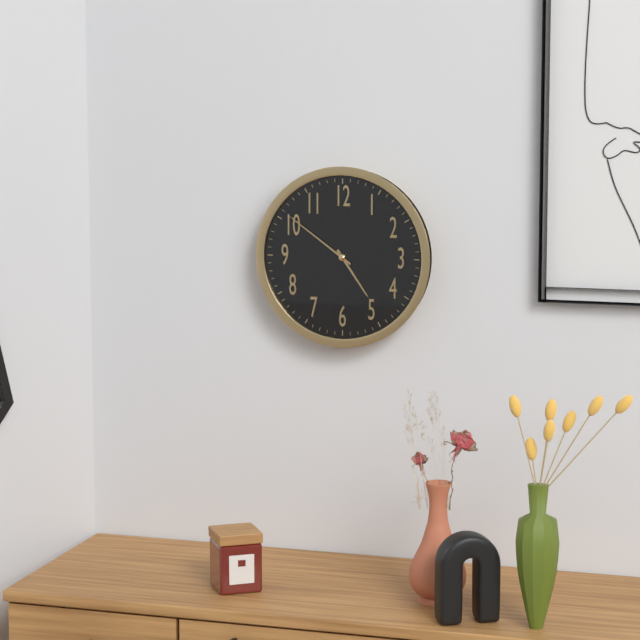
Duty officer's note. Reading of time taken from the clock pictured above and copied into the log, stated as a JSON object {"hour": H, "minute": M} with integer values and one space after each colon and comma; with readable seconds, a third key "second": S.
{"hour": 4, "minute": 51}
